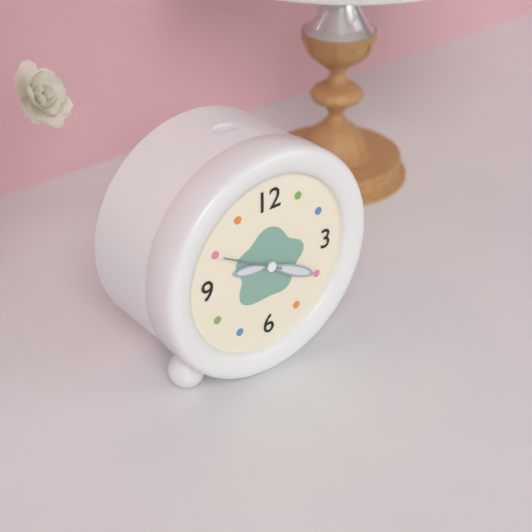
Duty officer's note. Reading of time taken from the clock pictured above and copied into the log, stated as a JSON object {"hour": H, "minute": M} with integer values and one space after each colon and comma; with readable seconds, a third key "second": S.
{"hour": 9, "minute": 20, "second": 50}
